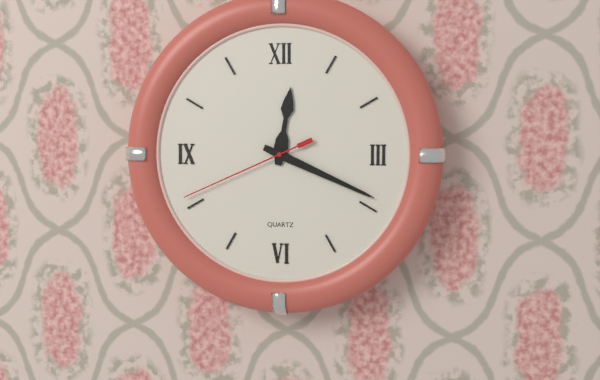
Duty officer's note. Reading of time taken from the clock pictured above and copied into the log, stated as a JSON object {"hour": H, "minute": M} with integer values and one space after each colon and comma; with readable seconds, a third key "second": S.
{"hour": 12, "minute": 19, "second": 41}
